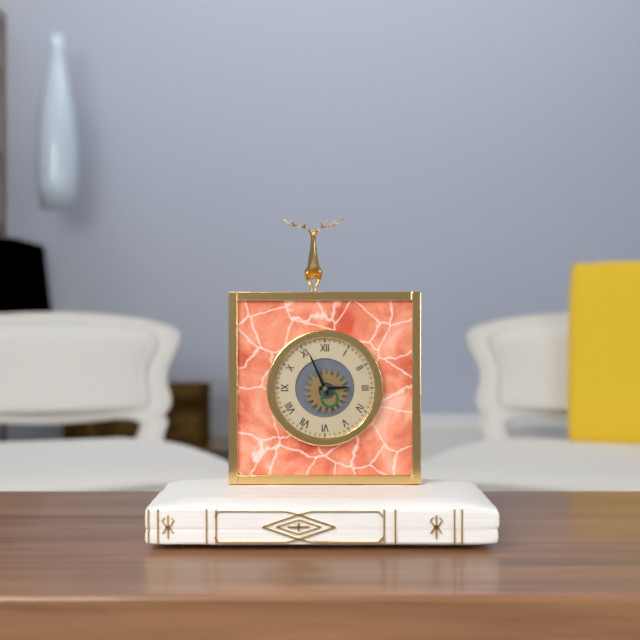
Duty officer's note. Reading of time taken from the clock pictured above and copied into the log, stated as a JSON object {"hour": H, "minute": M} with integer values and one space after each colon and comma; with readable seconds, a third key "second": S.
{"hour": 2, "minute": 56}
